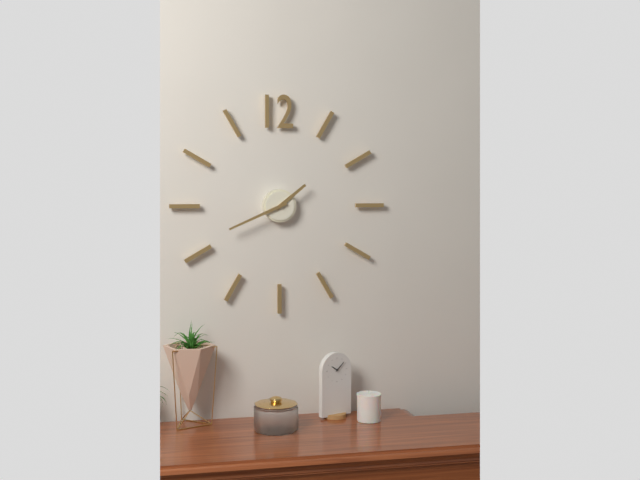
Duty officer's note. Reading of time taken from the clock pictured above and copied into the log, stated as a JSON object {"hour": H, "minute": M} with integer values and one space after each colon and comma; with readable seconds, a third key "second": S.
{"hour": 1, "minute": 41}
